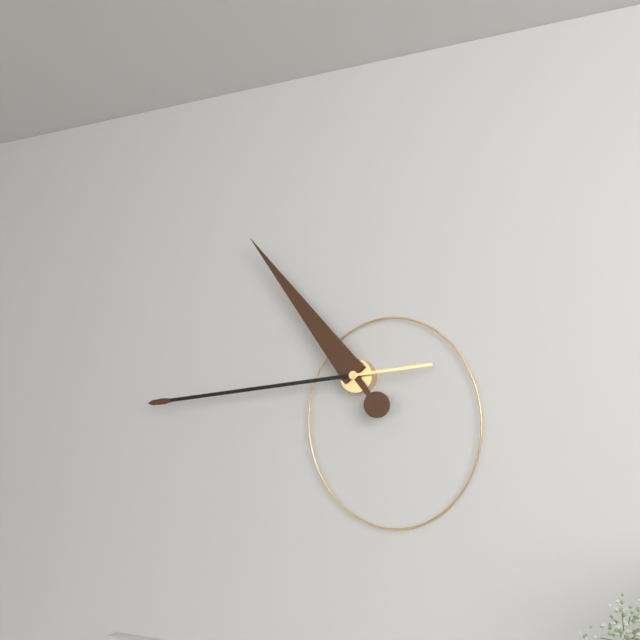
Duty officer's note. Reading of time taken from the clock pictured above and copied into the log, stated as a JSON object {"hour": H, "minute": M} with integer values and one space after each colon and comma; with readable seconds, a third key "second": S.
{"hour": 10, "minute": 44}
